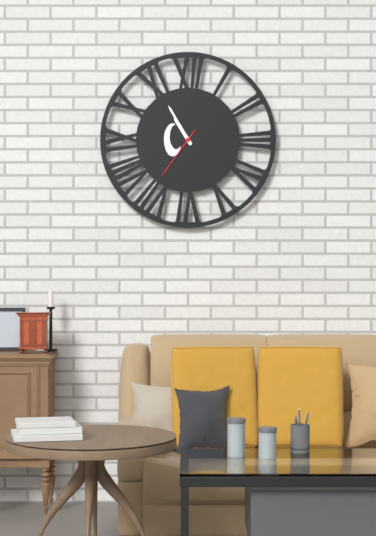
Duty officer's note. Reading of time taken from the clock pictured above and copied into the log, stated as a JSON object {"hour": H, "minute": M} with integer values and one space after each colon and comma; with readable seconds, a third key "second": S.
{"hour": 10, "minute": 55, "second": 36}
